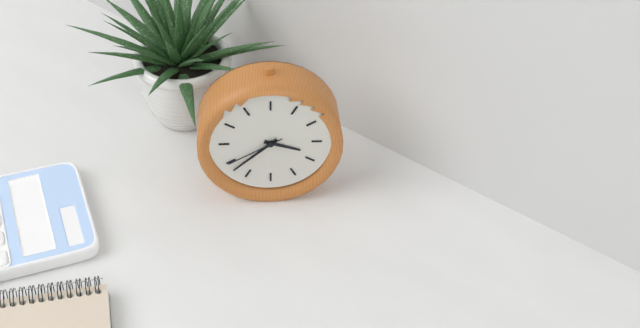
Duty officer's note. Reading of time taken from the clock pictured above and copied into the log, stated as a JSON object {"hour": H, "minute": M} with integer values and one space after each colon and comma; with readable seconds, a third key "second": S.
{"hour": 3, "minute": 38, "second": 40}
